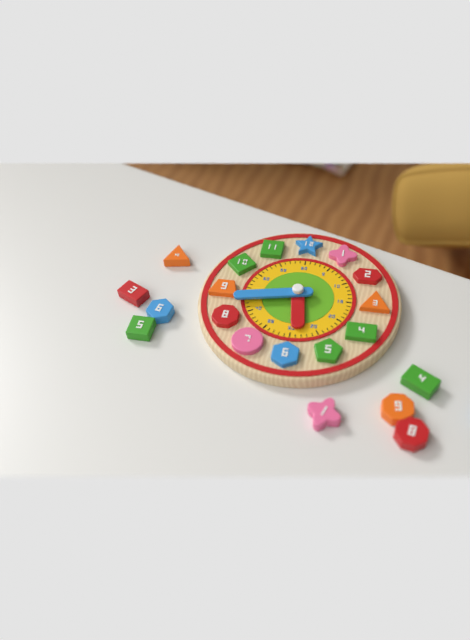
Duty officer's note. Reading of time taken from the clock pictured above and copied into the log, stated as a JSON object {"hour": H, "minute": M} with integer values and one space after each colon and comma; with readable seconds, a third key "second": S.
{"hour": 5, "minute": 43}
